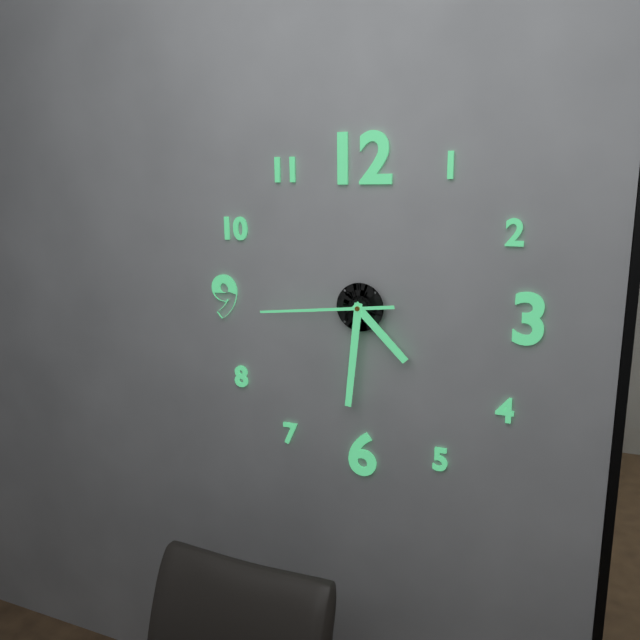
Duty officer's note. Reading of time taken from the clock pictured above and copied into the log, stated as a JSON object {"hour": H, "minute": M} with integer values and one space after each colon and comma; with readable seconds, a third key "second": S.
{"hour": 4, "minute": 31, "second": 44}
